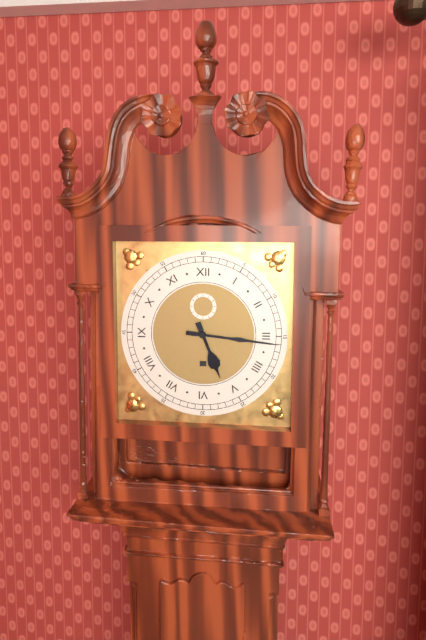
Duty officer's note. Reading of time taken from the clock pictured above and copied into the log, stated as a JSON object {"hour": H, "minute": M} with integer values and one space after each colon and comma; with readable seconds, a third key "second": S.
{"hour": 5, "minute": 16}
